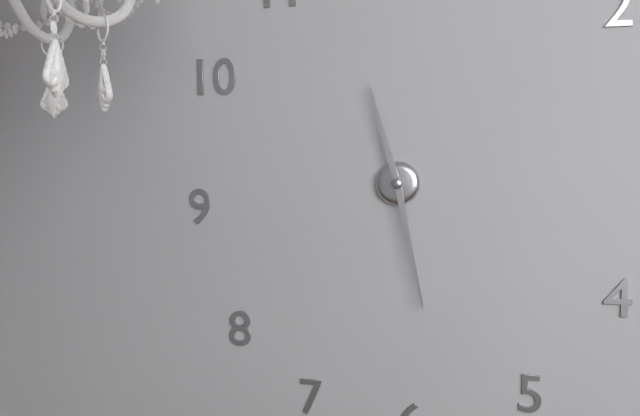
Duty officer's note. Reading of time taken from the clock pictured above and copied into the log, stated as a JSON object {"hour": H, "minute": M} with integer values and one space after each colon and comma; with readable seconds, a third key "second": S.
{"hour": 11, "minute": 28}
